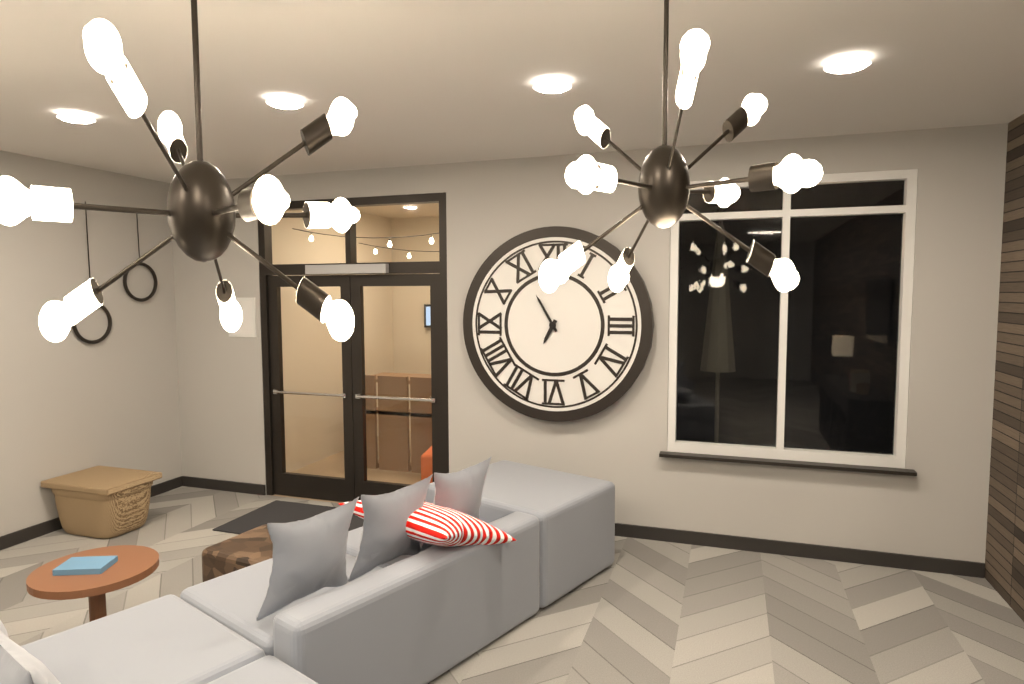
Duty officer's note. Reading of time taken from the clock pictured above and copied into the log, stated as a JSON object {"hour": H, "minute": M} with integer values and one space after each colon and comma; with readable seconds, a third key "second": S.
{"hour": 6, "minute": 55}
